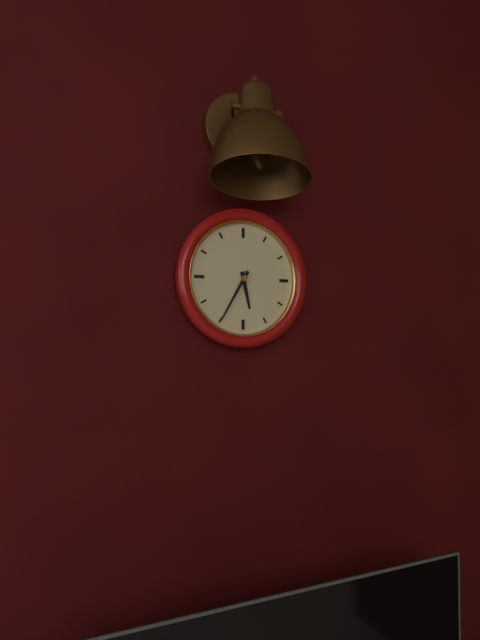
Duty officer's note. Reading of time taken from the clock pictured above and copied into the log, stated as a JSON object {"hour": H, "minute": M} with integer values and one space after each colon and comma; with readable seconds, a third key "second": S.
{"hour": 5, "minute": 35}
